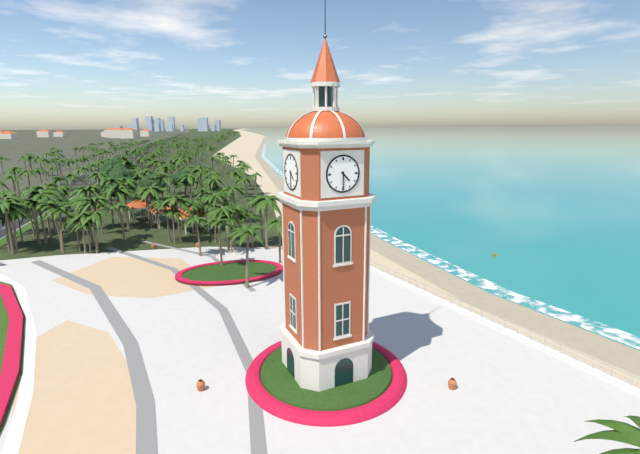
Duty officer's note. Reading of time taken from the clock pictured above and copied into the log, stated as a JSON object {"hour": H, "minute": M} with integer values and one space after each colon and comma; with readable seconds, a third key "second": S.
{"hour": 4, "minute": 30}
